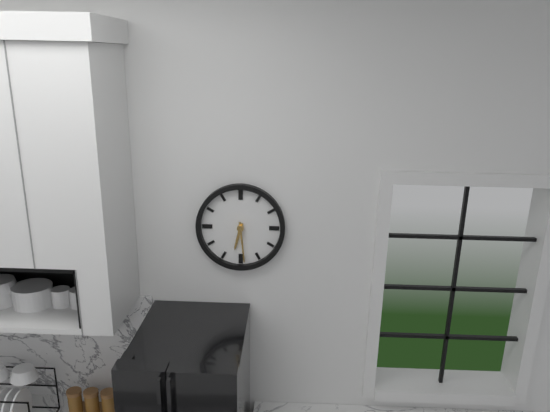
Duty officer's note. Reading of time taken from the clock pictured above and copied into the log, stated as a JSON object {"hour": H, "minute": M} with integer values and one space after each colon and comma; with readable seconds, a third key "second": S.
{"hour": 6, "minute": 29}
